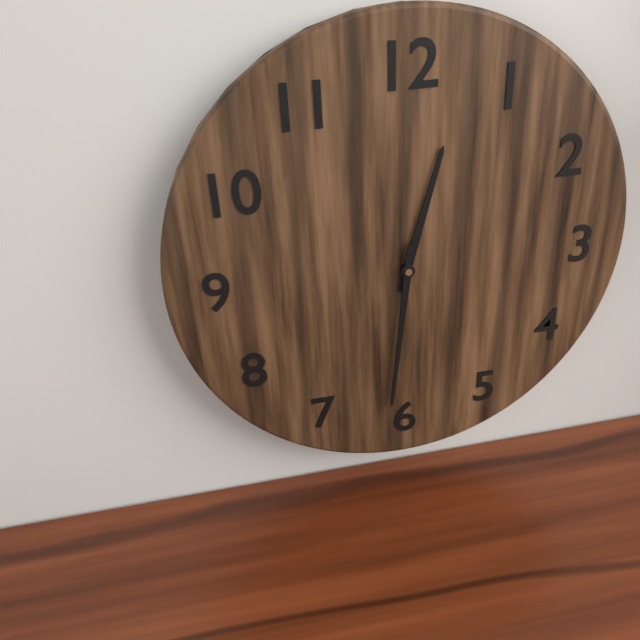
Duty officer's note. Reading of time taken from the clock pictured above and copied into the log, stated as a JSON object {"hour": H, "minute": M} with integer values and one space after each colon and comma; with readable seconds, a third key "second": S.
{"hour": 12, "minute": 31}
